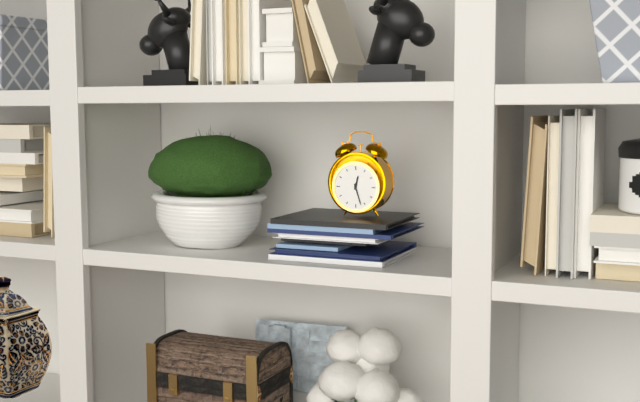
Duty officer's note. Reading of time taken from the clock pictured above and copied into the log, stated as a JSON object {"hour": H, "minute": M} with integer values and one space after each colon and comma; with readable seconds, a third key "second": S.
{"hour": 12, "minute": 27}
